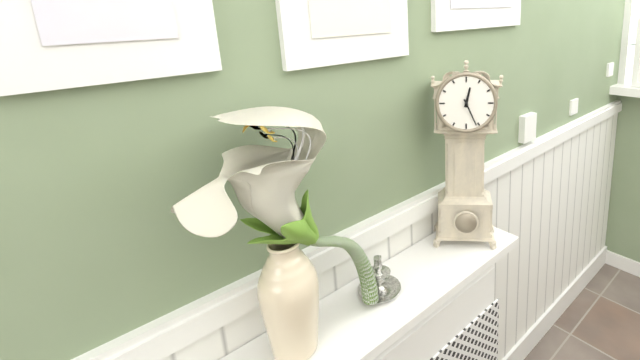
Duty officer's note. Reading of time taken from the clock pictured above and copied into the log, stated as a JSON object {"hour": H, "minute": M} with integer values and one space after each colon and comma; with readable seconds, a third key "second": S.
{"hour": 12, "minute": 26}
